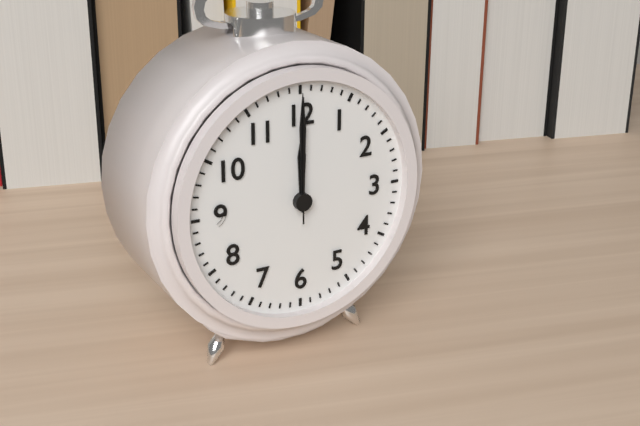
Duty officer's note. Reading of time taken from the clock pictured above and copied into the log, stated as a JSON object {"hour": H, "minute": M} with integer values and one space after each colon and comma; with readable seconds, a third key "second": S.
{"hour": 12, "minute": 0, "second": 0}
